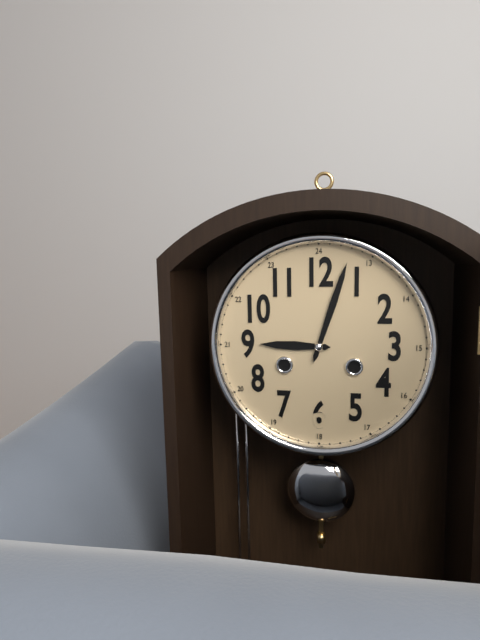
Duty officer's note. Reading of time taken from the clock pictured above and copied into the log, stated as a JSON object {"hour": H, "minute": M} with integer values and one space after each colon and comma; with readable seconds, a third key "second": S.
{"hour": 9, "minute": 3}
